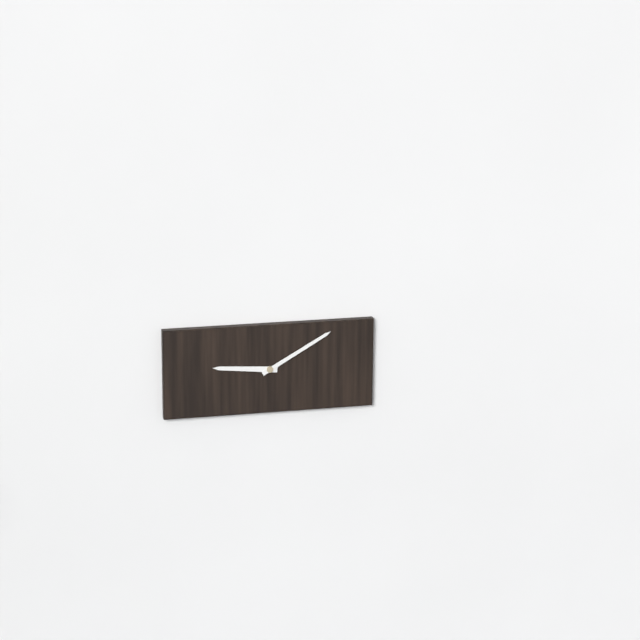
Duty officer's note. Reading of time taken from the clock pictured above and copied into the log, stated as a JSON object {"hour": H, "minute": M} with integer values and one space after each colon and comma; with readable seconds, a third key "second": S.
{"hour": 9, "minute": 10}
